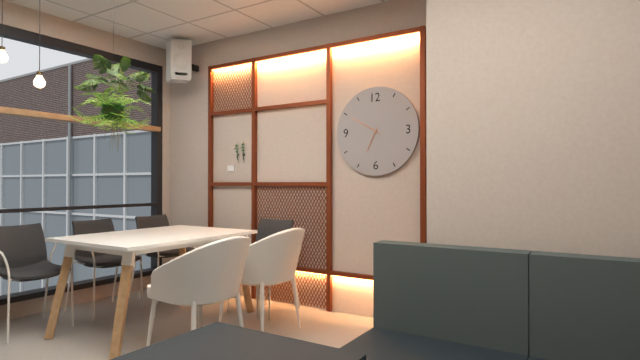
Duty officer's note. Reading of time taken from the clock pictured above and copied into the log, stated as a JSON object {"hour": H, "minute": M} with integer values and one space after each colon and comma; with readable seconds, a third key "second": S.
{"hour": 6, "minute": 50}
